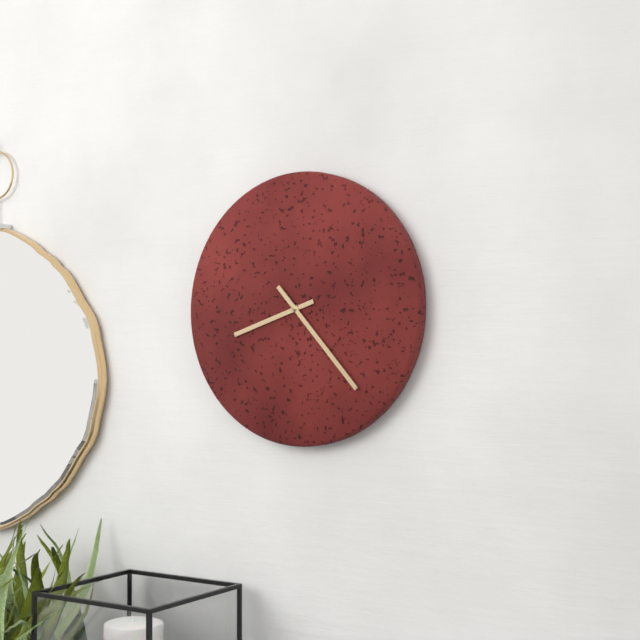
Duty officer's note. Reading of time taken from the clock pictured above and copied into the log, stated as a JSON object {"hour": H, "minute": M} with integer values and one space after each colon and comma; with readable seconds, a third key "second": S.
{"hour": 8, "minute": 23}
